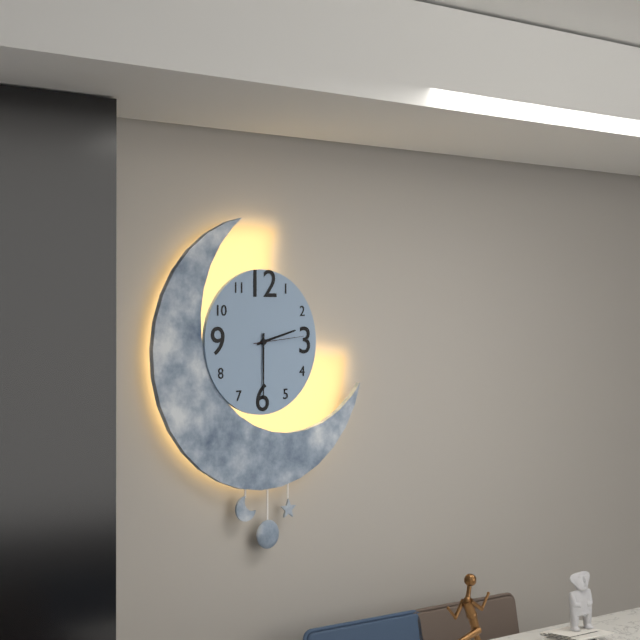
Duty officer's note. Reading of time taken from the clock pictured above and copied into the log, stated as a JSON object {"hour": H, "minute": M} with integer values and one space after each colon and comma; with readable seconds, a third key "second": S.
{"hour": 2, "minute": 30, "second": 14}
